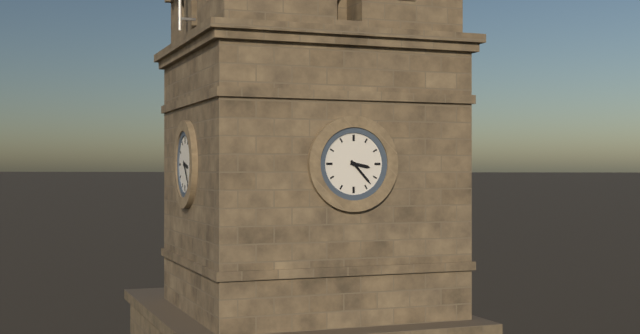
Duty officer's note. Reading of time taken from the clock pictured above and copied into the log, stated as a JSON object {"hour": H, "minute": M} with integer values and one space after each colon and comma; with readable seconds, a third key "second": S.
{"hour": 3, "minute": 23}
